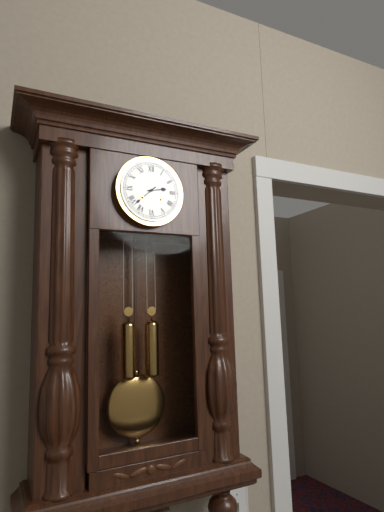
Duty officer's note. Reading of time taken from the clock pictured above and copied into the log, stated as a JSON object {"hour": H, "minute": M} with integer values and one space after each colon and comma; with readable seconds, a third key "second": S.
{"hour": 2, "minute": 38}
